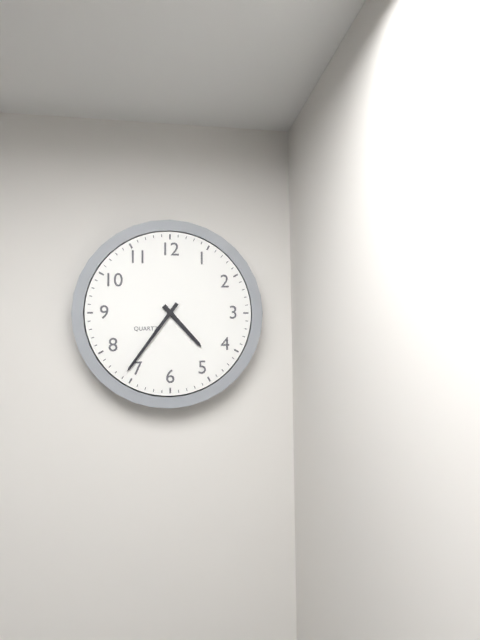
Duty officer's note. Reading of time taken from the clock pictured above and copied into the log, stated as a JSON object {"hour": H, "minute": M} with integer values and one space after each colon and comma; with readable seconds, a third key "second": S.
{"hour": 4, "minute": 36}
